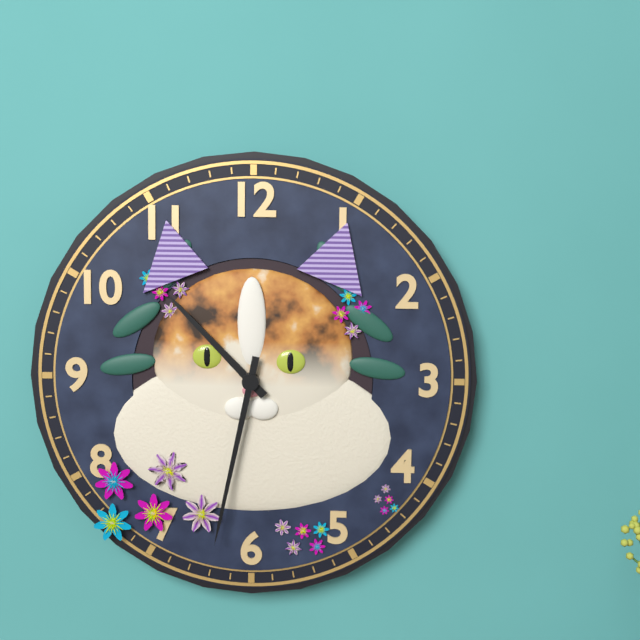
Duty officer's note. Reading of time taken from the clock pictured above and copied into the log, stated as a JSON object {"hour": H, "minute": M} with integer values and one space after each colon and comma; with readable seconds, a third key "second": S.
{"hour": 10, "minute": 32}
